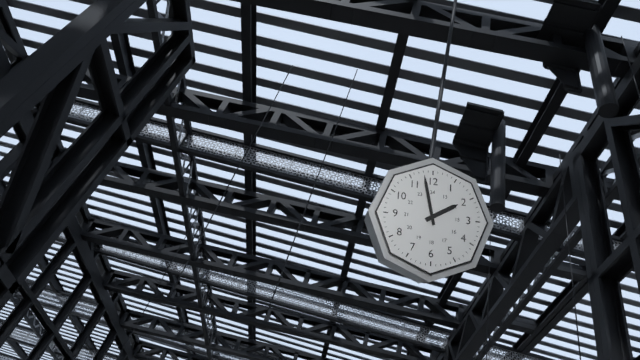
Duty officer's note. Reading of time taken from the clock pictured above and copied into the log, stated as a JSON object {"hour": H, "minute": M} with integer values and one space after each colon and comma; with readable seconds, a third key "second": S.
{"hour": 1, "minute": 58}
